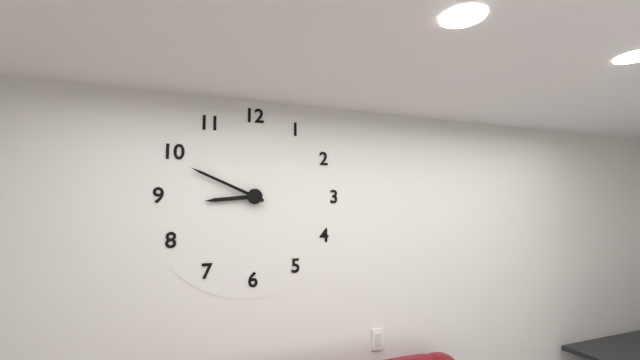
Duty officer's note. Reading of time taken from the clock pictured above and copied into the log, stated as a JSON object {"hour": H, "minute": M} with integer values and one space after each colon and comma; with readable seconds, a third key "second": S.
{"hour": 8, "minute": 49}
